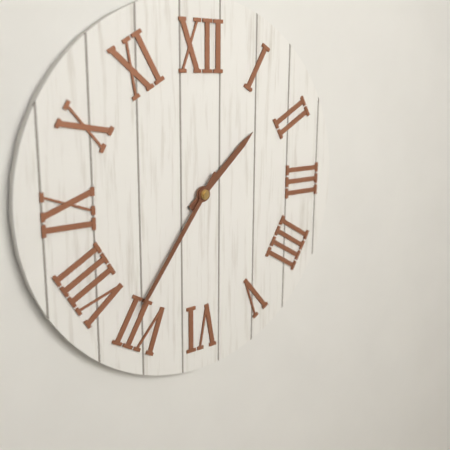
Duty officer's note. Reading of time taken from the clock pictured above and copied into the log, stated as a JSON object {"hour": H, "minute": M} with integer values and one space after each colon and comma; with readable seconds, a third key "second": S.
{"hour": 1, "minute": 36}
